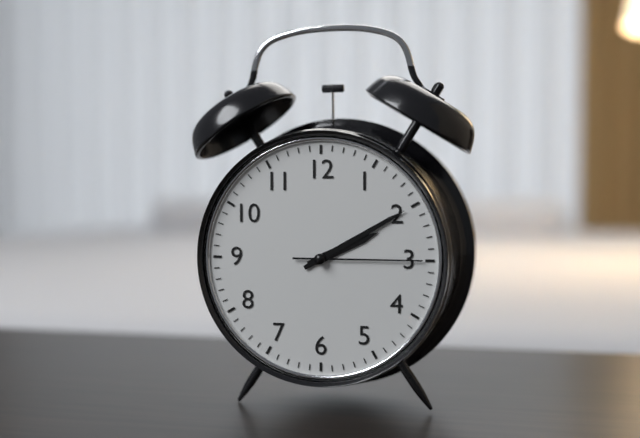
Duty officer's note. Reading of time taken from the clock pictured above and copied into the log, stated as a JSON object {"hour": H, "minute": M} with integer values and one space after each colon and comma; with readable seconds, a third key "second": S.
{"hour": 2, "minute": 10, "second": 15}
